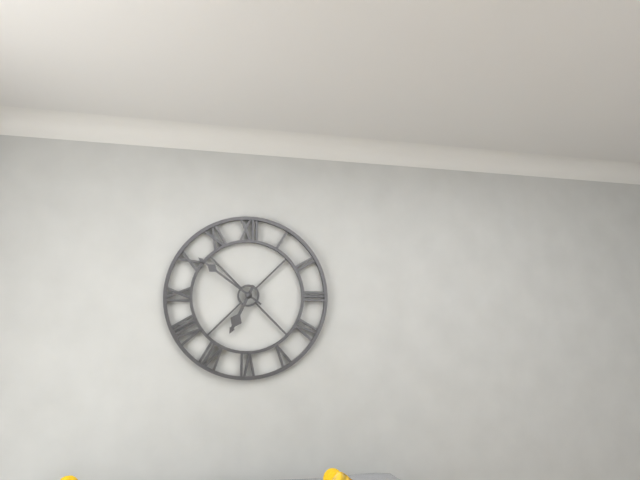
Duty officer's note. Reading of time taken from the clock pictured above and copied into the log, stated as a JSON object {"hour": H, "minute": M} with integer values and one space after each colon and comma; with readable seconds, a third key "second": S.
{"hour": 6, "minute": 51}
